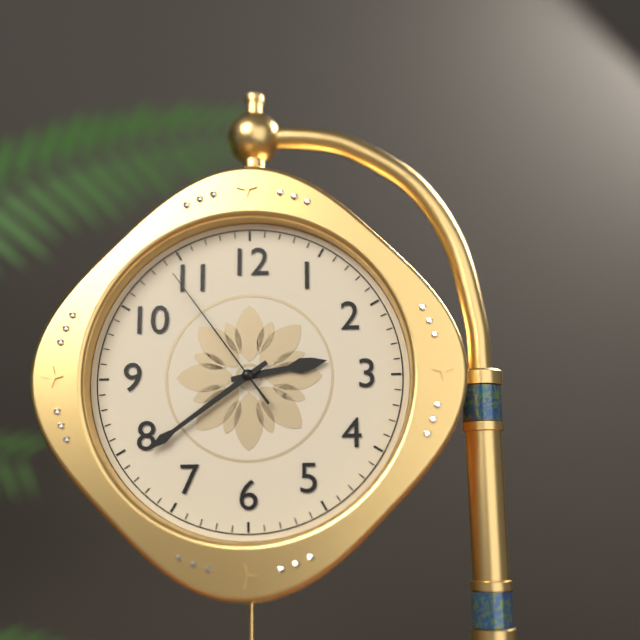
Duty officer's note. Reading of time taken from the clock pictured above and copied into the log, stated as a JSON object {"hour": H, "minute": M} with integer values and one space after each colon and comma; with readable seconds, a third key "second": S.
{"hour": 2, "minute": 39, "second": 54}
